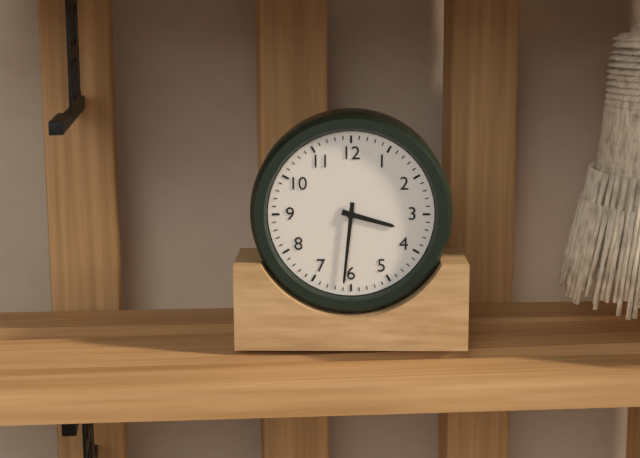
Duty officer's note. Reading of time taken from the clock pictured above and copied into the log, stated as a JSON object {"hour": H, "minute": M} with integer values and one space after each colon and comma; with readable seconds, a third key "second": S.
{"hour": 3, "minute": 31}
